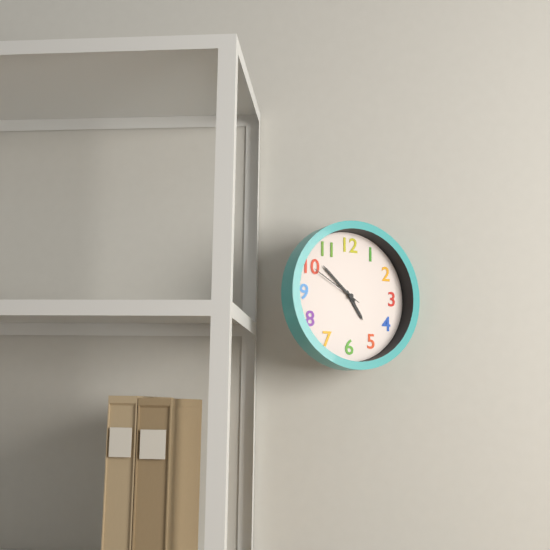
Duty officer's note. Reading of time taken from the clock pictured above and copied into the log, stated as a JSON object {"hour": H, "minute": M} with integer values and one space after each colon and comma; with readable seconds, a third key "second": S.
{"hour": 4, "minute": 52, "second": 50}
